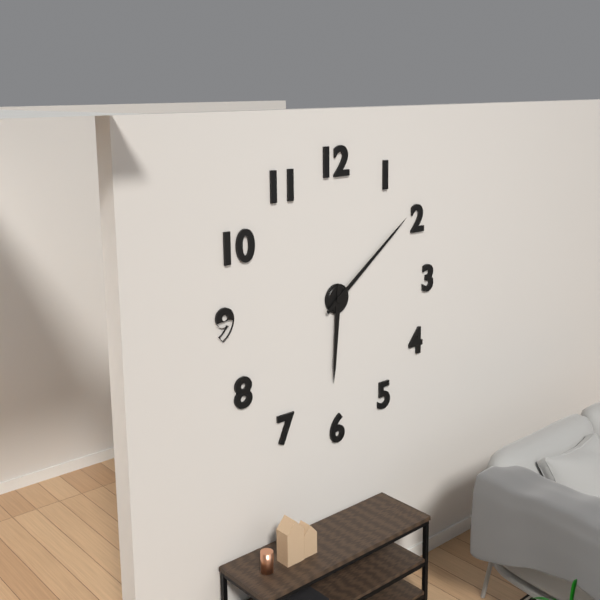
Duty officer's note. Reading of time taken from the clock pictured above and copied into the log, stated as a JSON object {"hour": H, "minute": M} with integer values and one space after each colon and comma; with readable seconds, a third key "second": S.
{"hour": 6, "minute": 9}
